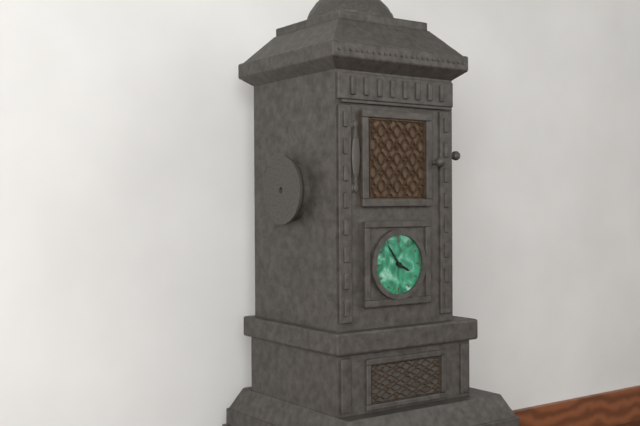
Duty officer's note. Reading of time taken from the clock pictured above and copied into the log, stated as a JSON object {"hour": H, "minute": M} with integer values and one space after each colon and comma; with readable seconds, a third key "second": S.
{"hour": 3, "minute": 54}
